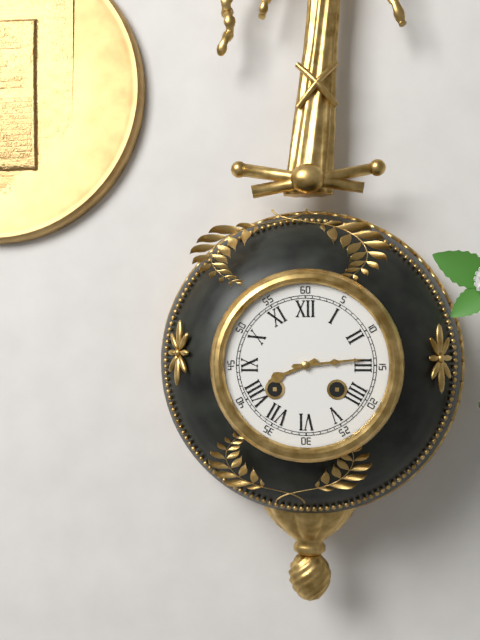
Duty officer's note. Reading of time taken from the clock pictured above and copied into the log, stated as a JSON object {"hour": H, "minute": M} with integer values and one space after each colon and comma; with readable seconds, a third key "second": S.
{"hour": 8, "minute": 14}
